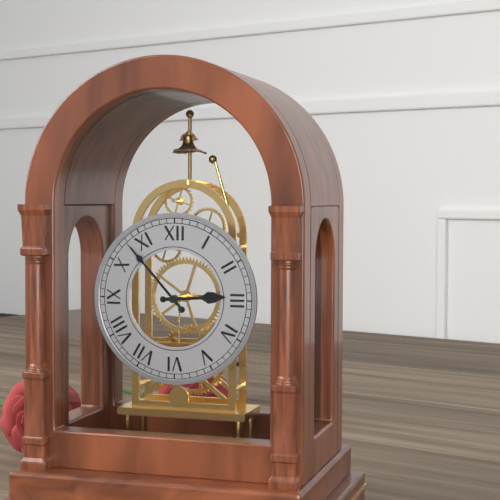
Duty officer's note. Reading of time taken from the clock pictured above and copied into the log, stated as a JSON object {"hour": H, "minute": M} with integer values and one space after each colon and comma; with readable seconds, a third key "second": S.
{"hour": 2, "minute": 53}
